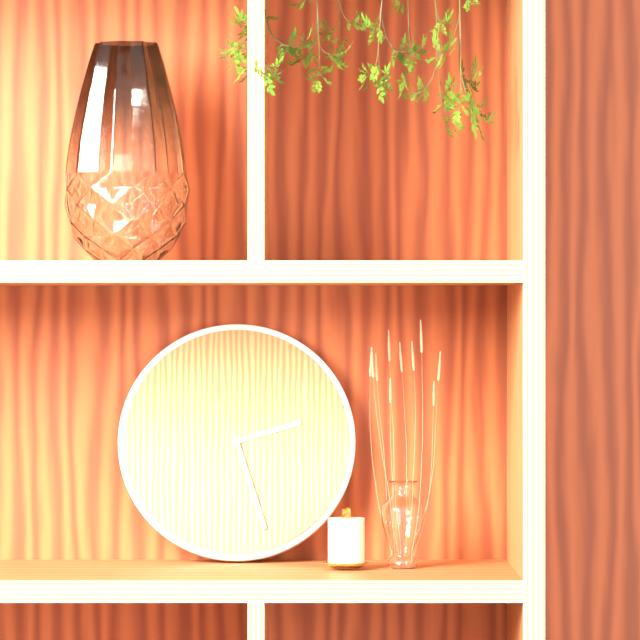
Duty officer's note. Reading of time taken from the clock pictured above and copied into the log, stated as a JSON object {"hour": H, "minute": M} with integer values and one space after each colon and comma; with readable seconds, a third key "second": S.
{"hour": 2, "minute": 27}
